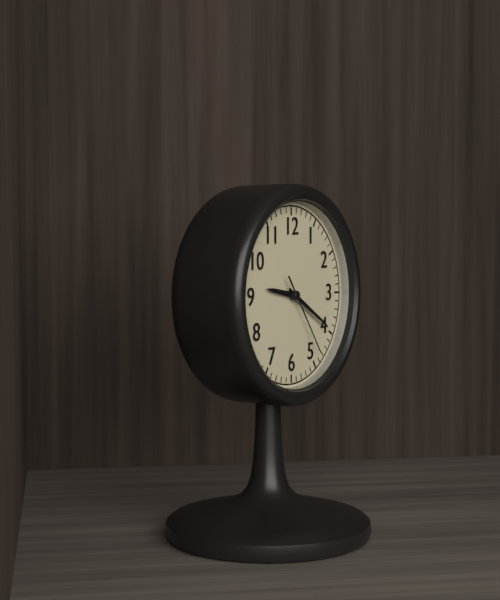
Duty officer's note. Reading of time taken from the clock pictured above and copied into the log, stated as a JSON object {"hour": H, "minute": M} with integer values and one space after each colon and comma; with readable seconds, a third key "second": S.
{"hour": 9, "minute": 20, "second": 24}
